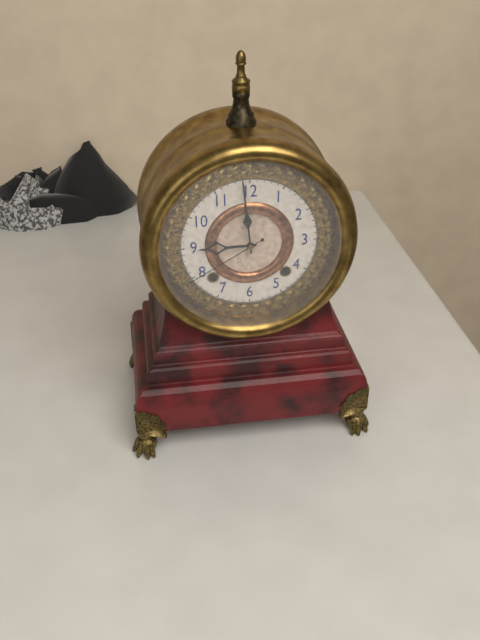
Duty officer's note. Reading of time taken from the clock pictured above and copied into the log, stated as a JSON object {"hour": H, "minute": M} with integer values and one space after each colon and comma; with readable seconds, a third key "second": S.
{"hour": 8, "minute": 59, "second": 40}
